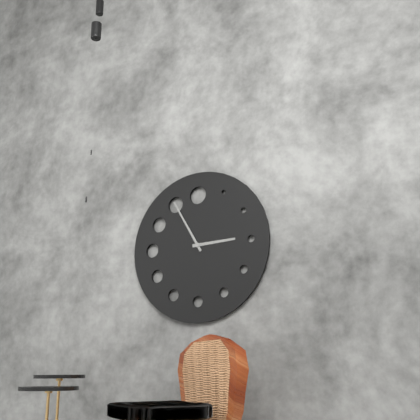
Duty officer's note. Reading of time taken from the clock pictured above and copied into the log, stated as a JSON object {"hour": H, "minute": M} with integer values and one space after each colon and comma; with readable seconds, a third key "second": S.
{"hour": 2, "minute": 55}
